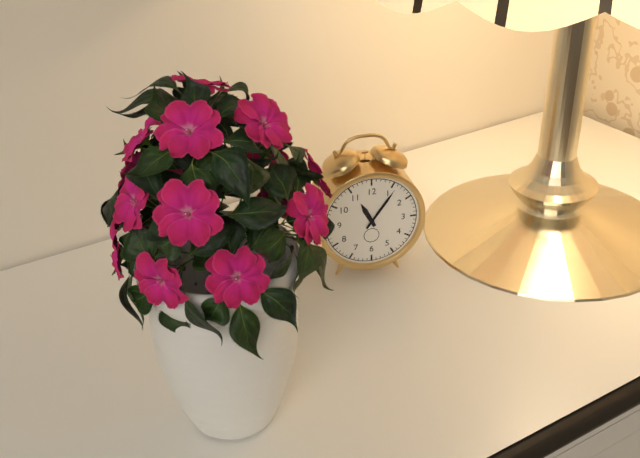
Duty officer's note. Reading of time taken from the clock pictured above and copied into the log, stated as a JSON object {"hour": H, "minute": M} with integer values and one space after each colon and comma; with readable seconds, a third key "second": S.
{"hour": 11, "minute": 6}
